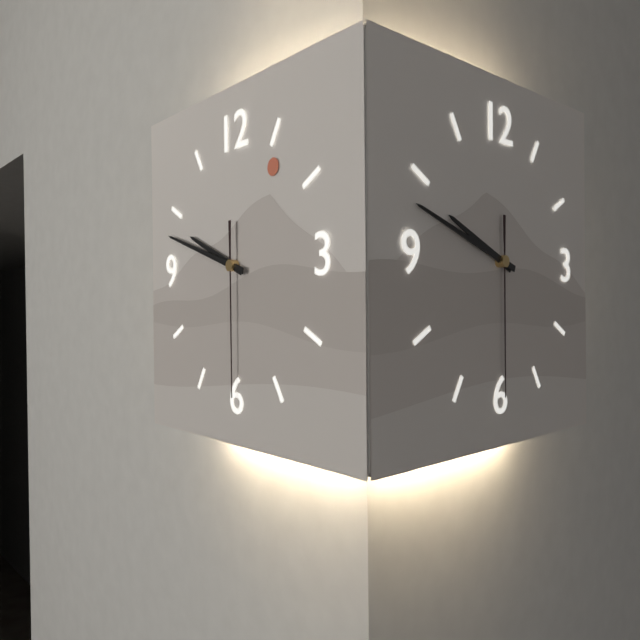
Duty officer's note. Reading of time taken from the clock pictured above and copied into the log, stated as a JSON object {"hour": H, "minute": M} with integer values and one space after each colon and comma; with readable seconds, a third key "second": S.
{"hour": 9, "minute": 48, "second": 30}
